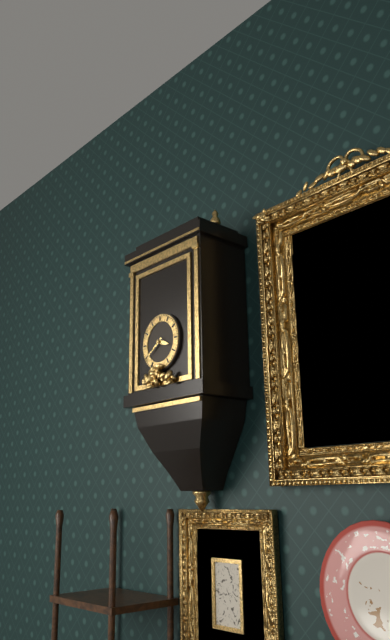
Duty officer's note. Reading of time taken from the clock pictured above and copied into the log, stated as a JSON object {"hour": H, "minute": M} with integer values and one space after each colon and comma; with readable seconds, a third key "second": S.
{"hour": 3, "minute": 39}
